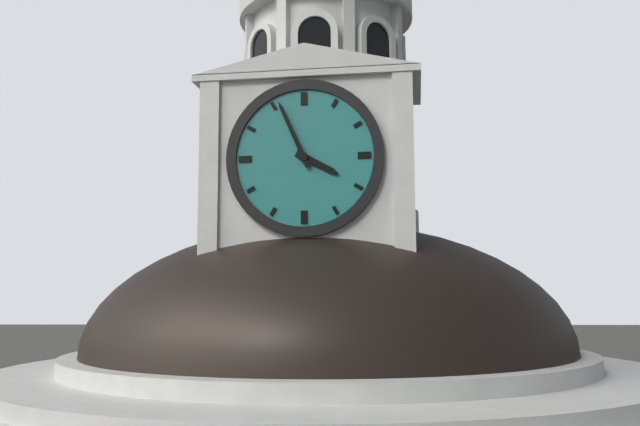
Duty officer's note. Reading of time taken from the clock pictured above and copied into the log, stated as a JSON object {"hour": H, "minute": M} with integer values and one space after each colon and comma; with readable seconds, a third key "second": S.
{"hour": 3, "minute": 56}
